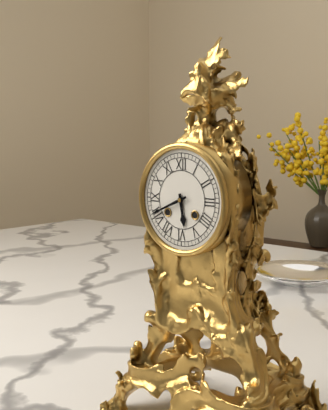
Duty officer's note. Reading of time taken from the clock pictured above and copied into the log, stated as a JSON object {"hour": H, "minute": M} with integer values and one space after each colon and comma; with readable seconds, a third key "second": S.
{"hour": 5, "minute": 41}
